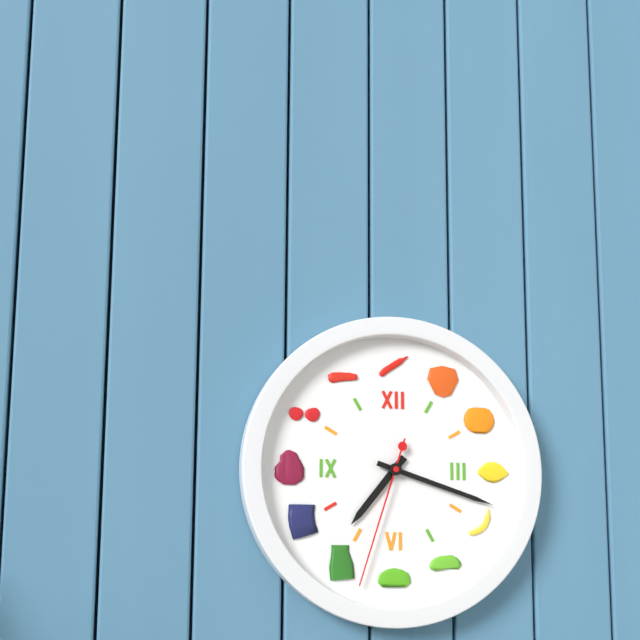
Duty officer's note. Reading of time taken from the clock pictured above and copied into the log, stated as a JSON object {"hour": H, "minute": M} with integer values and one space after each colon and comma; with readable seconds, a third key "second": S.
{"hour": 7, "minute": 18, "second": 33}
